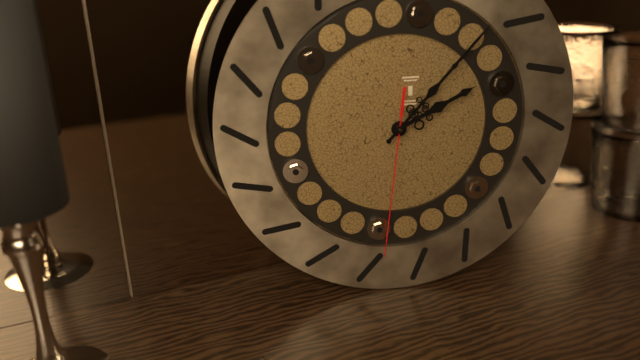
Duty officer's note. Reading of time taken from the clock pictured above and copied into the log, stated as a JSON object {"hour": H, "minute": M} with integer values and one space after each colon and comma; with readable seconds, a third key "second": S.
{"hour": 2, "minute": 7, "second": 31}
